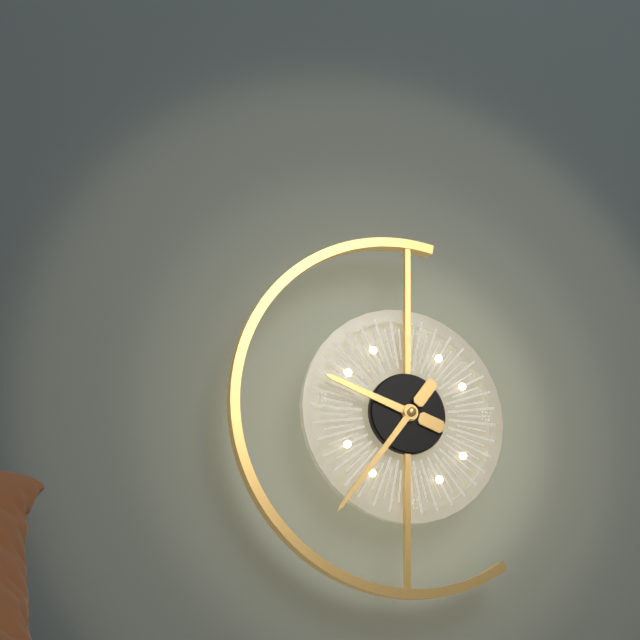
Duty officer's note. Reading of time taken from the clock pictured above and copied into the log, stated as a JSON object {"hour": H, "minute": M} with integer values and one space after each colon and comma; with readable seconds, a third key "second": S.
{"hour": 9, "minute": 36}
